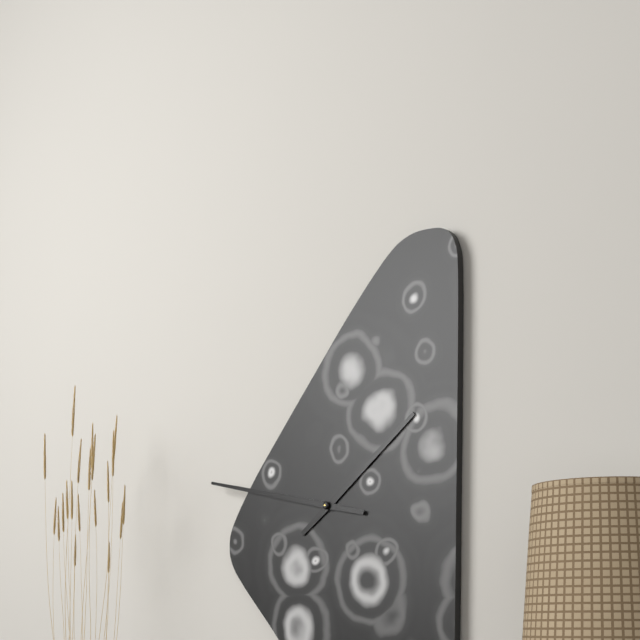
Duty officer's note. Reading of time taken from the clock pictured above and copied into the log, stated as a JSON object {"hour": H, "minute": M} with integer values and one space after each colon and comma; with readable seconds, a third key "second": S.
{"hour": 1, "minute": 47}
